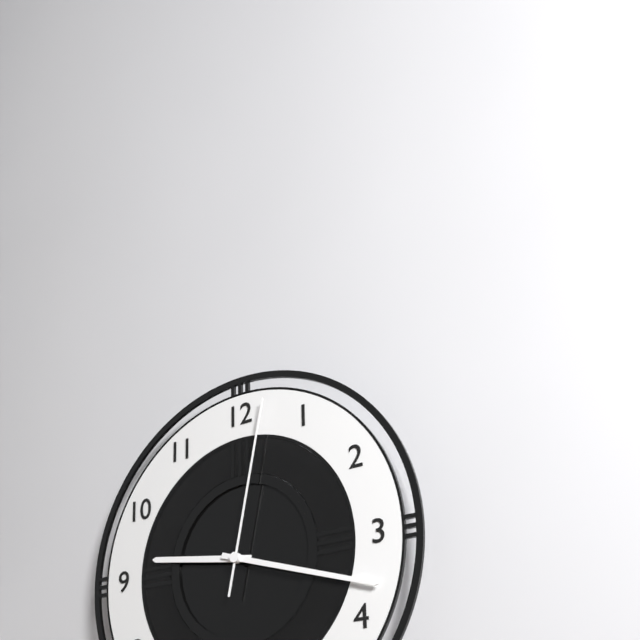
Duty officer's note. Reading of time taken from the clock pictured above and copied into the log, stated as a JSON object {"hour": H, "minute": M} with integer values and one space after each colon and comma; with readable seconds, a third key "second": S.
{"hour": 9, "minute": 18, "second": 2}
